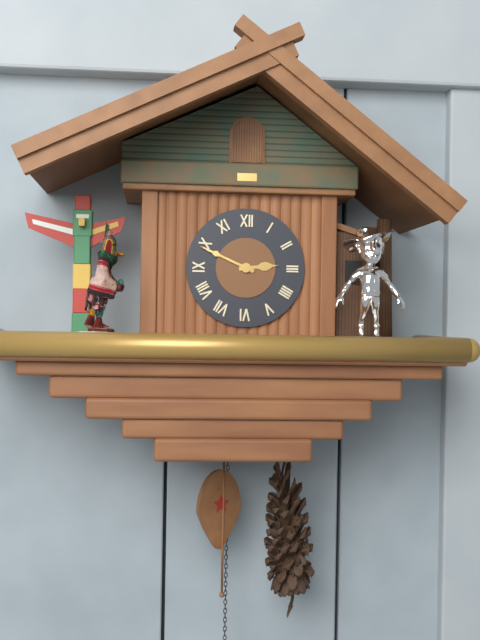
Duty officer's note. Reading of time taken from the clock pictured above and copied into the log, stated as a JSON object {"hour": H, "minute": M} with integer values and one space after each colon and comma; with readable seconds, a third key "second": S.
{"hour": 2, "minute": 49}
